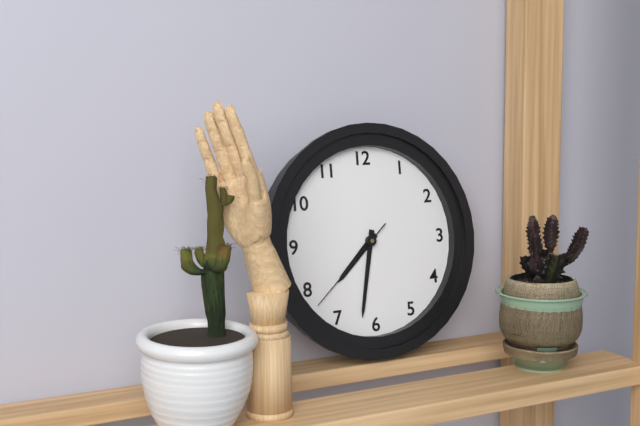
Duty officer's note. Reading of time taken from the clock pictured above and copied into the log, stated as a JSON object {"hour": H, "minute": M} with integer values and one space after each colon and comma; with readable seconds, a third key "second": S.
{"hour": 7, "minute": 32, "second": 38}
